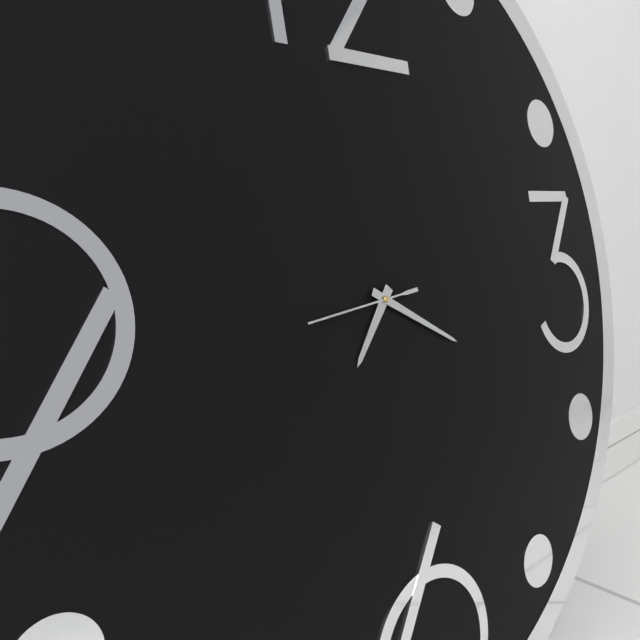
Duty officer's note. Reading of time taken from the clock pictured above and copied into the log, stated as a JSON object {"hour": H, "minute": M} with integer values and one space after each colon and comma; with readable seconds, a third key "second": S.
{"hour": 7, "minute": 20, "second": 44}
